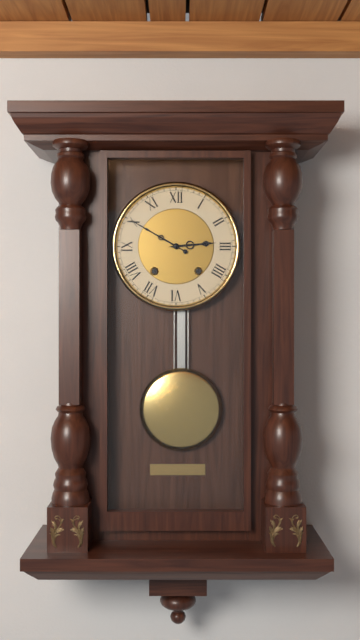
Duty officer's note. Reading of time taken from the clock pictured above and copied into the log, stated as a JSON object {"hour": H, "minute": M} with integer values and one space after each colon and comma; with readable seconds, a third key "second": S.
{"hour": 2, "minute": 50}
